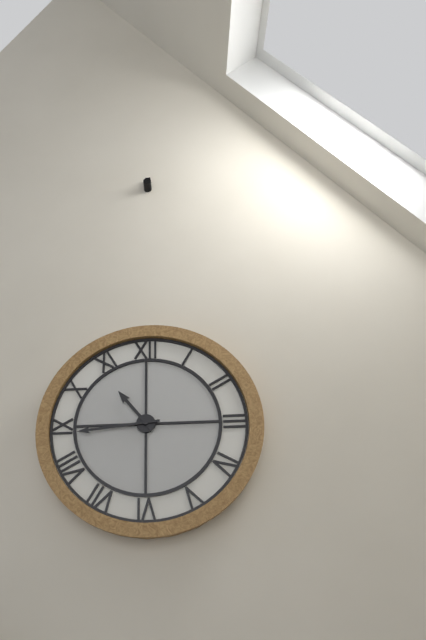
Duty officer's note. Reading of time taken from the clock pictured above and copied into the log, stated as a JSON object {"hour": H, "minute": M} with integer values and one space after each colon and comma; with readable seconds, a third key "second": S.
{"hour": 10, "minute": 44}
